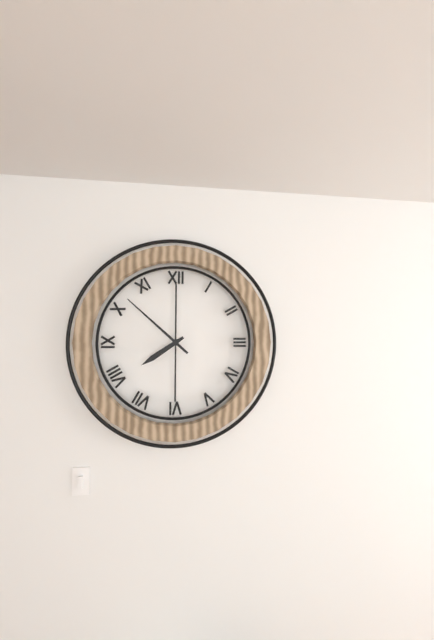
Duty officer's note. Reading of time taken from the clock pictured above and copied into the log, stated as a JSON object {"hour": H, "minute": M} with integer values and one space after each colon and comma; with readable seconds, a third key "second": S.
{"hour": 7, "minute": 52}
